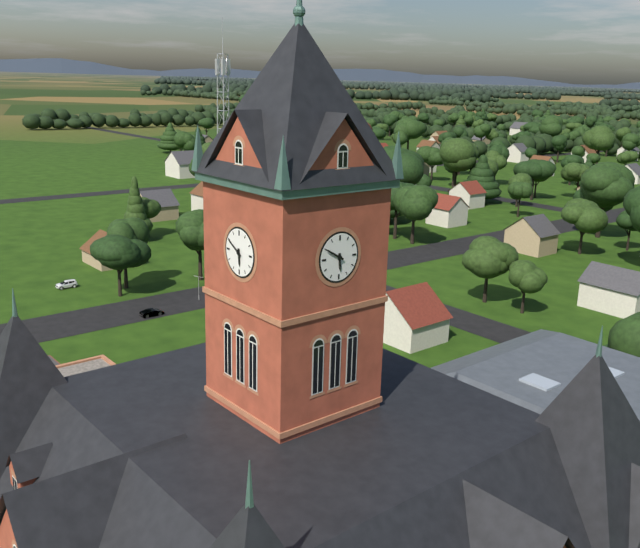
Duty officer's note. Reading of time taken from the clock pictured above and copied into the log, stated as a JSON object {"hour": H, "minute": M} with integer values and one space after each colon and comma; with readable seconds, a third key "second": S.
{"hour": 5, "minute": 50}
